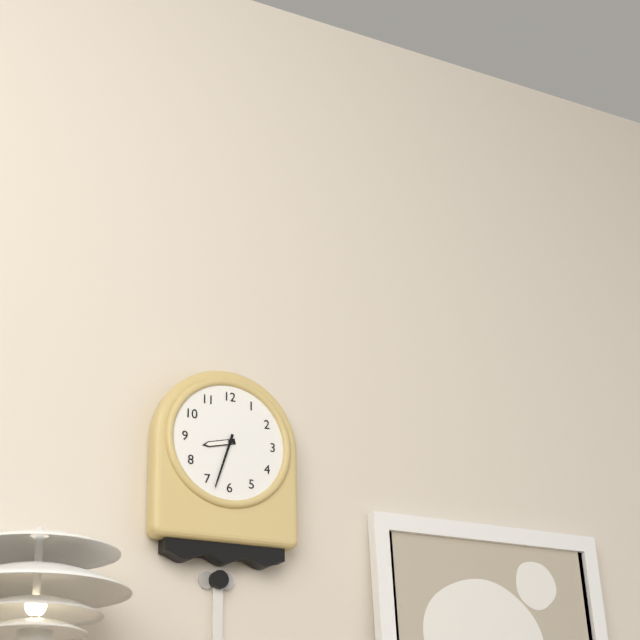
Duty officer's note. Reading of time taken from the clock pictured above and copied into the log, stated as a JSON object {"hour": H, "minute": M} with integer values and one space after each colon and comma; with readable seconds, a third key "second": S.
{"hour": 8, "minute": 33}
